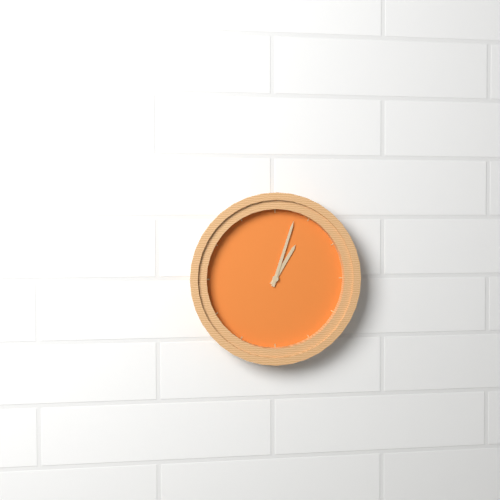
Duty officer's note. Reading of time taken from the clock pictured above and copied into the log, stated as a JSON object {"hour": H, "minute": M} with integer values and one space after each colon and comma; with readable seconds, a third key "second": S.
{"hour": 1, "minute": 3}
